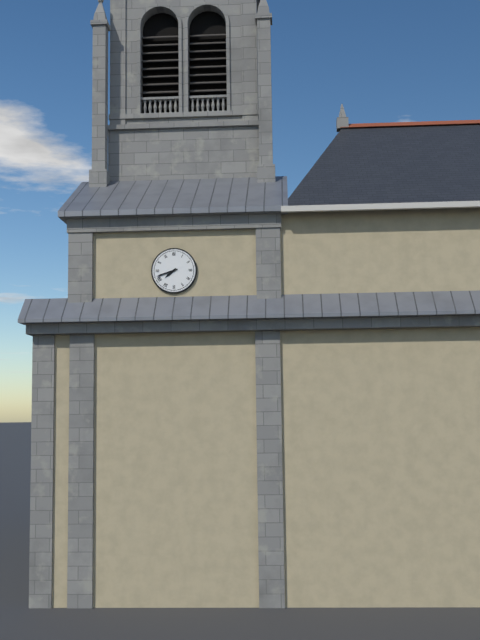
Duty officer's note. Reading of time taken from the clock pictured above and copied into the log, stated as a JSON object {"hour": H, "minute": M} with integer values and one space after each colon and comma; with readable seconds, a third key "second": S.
{"hour": 7, "minute": 42}
